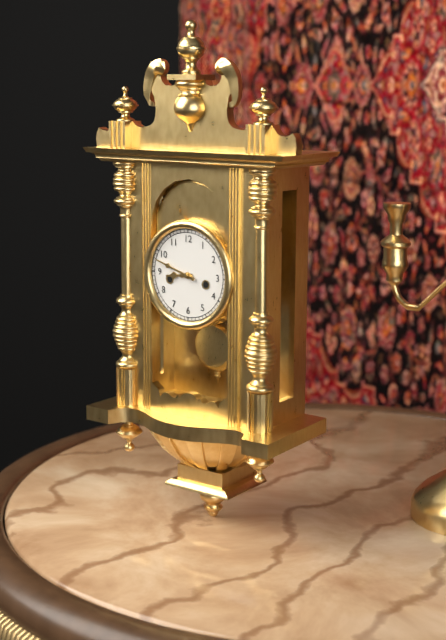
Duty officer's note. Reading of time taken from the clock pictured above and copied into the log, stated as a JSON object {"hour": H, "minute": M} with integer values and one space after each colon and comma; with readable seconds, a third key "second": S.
{"hour": 8, "minute": 48}
